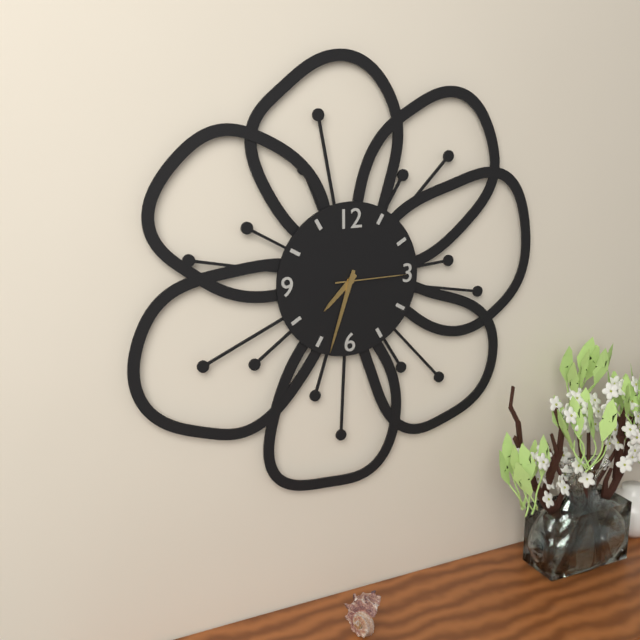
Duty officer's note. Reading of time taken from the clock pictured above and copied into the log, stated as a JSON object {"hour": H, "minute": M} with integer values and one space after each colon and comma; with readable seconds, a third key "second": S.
{"hour": 7, "minute": 33, "second": 15}
